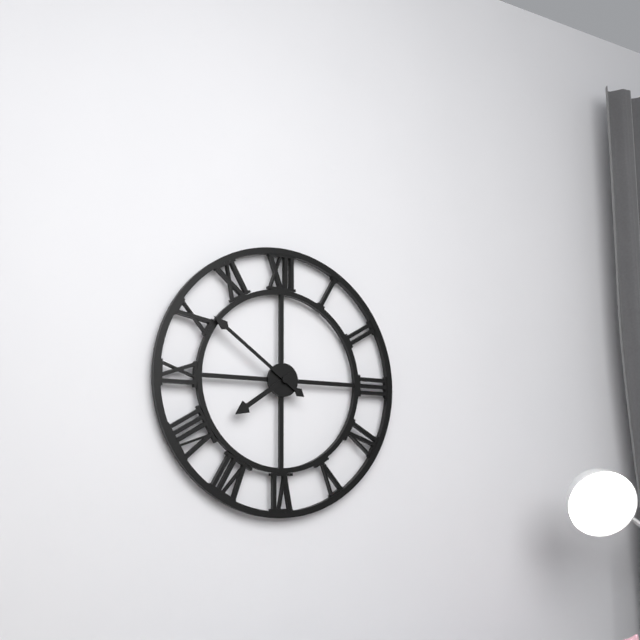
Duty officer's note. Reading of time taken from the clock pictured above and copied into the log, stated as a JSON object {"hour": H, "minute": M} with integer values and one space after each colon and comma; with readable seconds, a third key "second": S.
{"hour": 7, "minute": 51}
